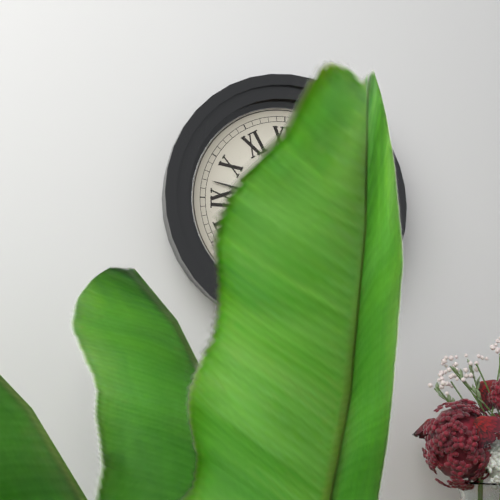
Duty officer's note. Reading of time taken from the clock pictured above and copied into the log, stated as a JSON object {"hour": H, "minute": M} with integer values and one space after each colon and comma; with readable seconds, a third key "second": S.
{"hour": 9, "minute": 47}
